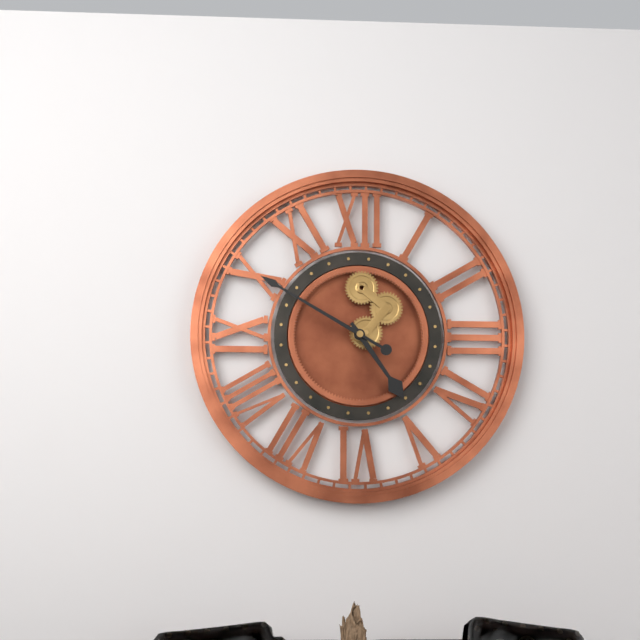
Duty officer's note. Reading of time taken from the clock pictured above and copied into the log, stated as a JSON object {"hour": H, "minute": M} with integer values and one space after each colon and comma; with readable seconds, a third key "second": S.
{"hour": 4, "minute": 50}
